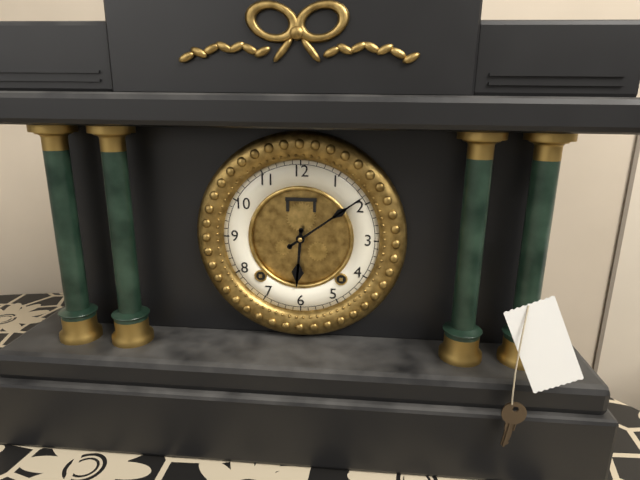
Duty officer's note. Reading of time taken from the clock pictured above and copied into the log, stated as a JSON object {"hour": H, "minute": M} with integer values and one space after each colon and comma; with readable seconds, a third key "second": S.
{"hour": 6, "minute": 9}
